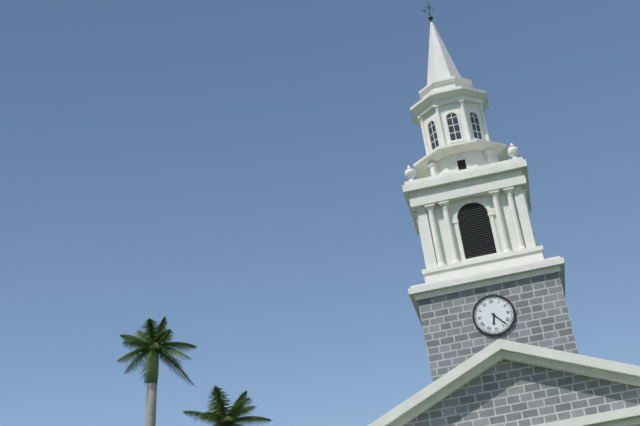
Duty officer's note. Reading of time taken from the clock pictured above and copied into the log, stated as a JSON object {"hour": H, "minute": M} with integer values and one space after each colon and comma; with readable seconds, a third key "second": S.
{"hour": 6, "minute": 23}
